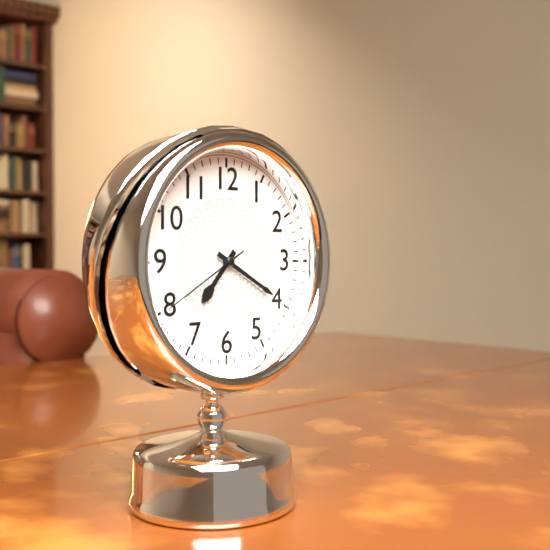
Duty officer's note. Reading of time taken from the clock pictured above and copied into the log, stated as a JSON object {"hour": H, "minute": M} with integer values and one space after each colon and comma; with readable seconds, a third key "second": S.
{"hour": 7, "minute": 20, "second": 40}
